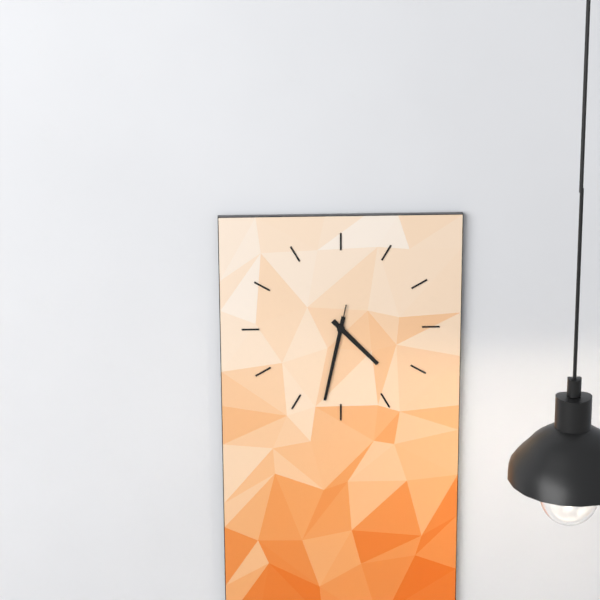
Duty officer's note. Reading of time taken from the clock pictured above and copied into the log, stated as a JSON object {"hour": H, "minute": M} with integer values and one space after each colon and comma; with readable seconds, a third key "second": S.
{"hour": 4, "minute": 32, "second": 32}
